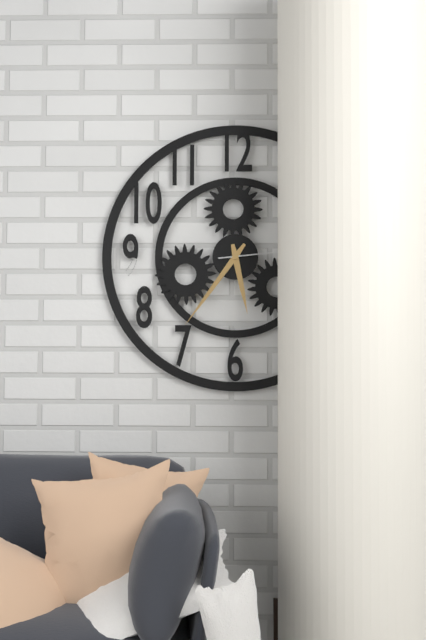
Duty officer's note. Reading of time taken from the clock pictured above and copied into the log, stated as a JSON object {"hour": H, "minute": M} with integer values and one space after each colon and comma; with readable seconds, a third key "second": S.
{"hour": 5, "minute": 36}
